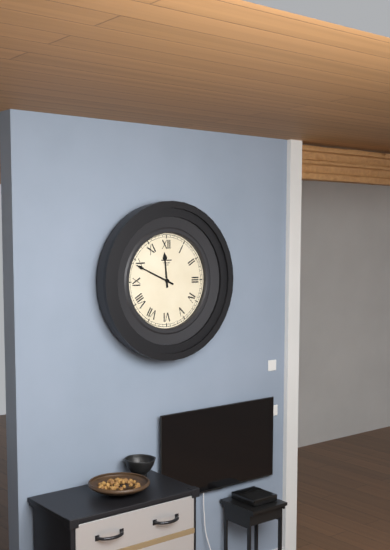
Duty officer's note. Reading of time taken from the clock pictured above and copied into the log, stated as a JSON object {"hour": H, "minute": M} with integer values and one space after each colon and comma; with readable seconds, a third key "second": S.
{"hour": 11, "minute": 49}
